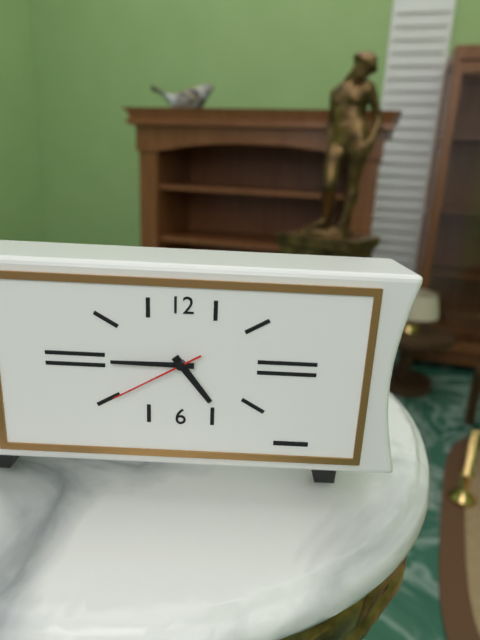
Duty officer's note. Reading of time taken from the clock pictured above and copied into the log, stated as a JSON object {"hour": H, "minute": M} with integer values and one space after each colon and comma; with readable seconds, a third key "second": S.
{"hour": 4, "minute": 45, "second": 40}
